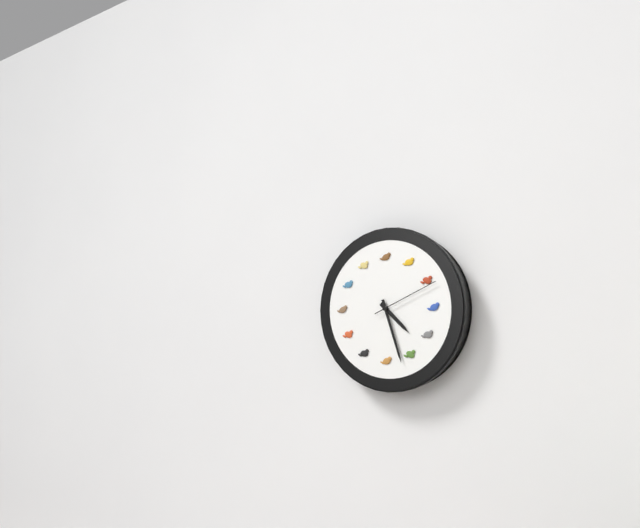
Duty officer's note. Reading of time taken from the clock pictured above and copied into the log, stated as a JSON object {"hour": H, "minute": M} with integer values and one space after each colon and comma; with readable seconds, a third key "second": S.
{"hour": 4, "minute": 27, "second": 11}
